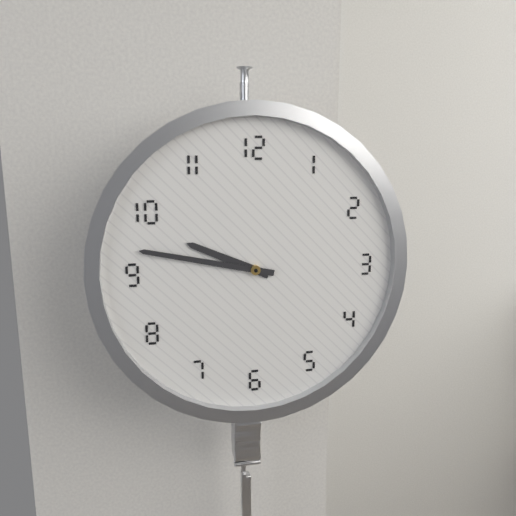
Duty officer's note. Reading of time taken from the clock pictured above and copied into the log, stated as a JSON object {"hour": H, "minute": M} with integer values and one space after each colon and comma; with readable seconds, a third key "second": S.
{"hour": 9, "minute": 47}
